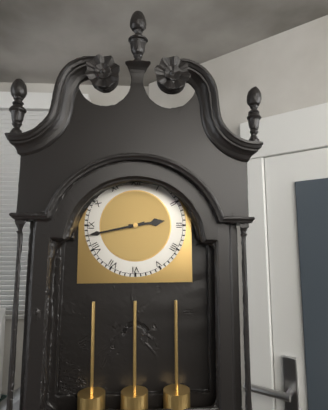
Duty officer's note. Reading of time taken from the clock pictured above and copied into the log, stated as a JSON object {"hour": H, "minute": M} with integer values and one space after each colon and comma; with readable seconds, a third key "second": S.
{"hour": 2, "minute": 43}
